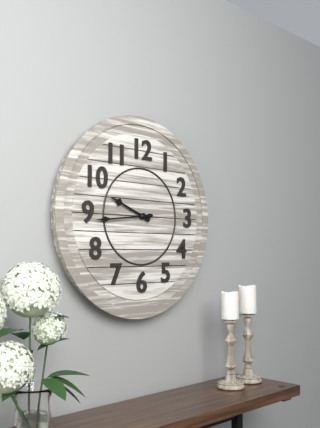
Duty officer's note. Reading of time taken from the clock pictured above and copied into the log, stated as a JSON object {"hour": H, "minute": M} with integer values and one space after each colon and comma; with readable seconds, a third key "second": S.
{"hour": 9, "minute": 44}
